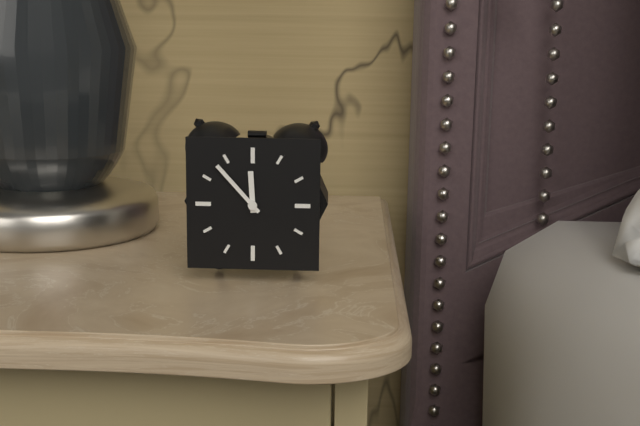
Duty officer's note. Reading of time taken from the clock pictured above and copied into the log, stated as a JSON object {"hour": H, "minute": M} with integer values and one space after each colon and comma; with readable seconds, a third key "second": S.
{"hour": 11, "minute": 53}
